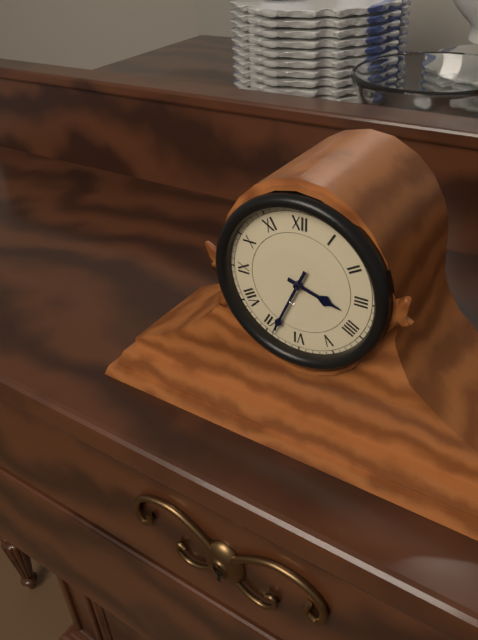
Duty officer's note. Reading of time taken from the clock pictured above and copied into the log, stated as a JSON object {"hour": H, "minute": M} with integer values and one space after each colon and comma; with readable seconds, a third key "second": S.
{"hour": 3, "minute": 34}
